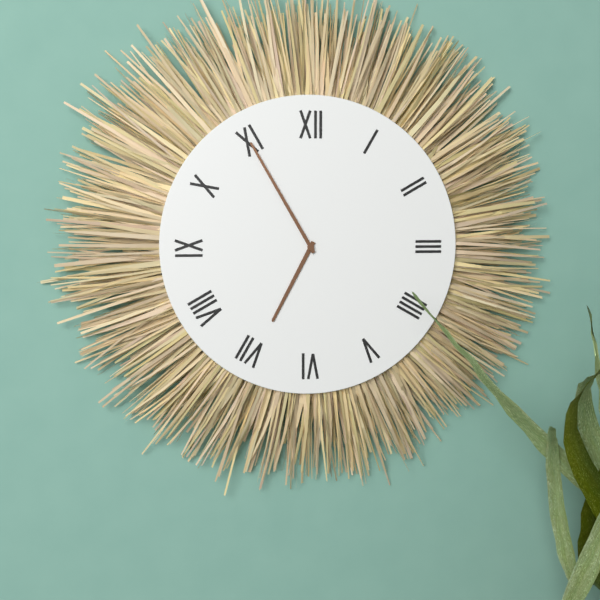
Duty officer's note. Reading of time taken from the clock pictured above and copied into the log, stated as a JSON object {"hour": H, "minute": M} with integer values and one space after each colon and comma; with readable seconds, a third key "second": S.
{"hour": 6, "minute": 55}
